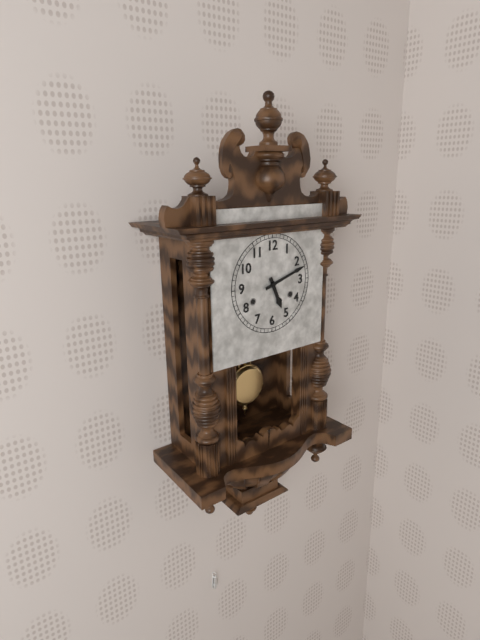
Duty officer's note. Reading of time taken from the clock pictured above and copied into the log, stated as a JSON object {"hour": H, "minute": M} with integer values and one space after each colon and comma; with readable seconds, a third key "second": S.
{"hour": 5, "minute": 12}
